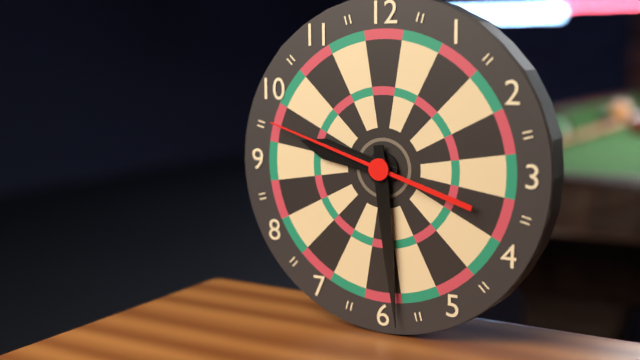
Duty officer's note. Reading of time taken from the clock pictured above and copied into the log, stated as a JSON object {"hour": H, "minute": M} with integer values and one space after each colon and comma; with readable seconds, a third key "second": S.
{"hour": 9, "minute": 29, "second": 48}
